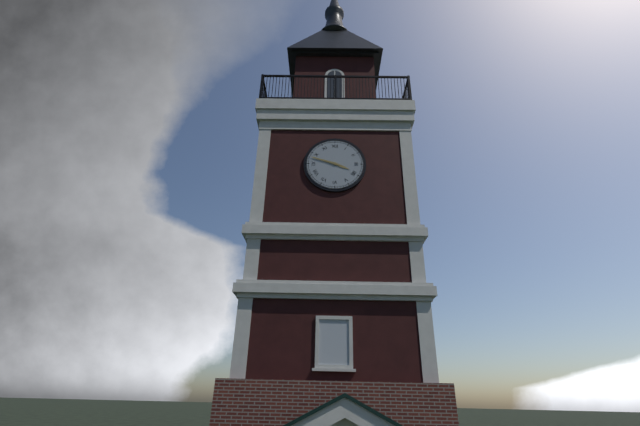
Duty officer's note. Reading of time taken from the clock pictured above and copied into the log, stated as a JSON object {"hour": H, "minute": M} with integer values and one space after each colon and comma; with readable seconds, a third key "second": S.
{"hour": 3, "minute": 48}
